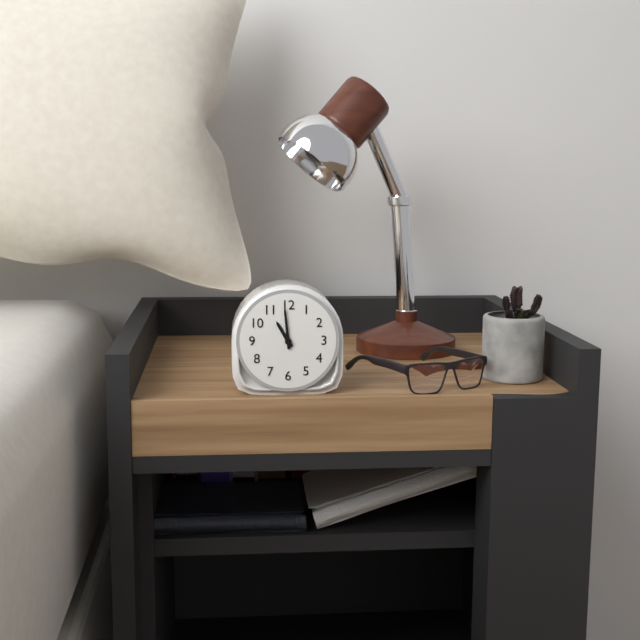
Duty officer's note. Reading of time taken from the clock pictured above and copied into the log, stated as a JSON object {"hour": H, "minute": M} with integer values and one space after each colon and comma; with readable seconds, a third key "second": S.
{"hour": 10, "minute": 59}
